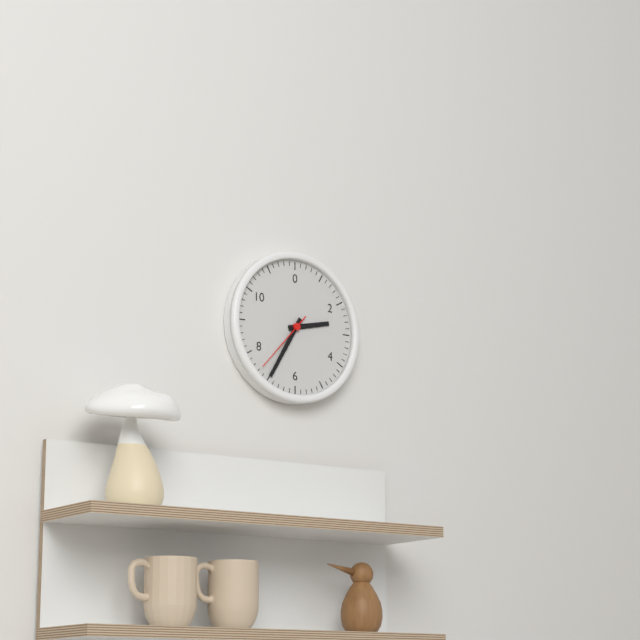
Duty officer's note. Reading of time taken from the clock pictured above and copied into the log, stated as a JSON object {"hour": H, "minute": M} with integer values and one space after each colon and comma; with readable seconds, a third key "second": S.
{"hour": 2, "minute": 35, "second": 37}
